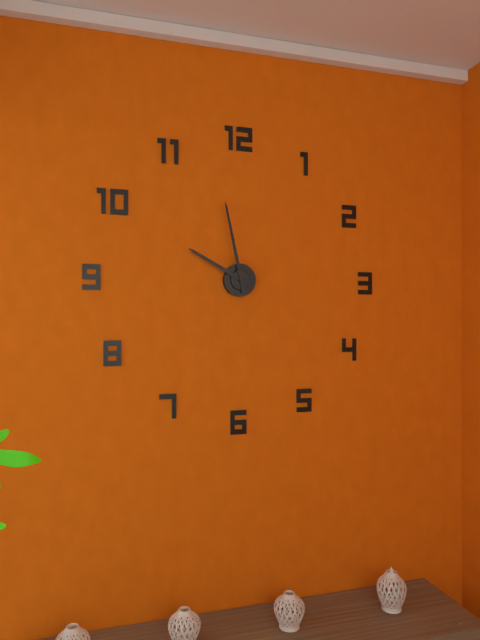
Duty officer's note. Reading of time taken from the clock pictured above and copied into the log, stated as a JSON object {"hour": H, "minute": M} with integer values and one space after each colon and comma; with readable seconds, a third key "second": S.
{"hour": 9, "minute": 58}
